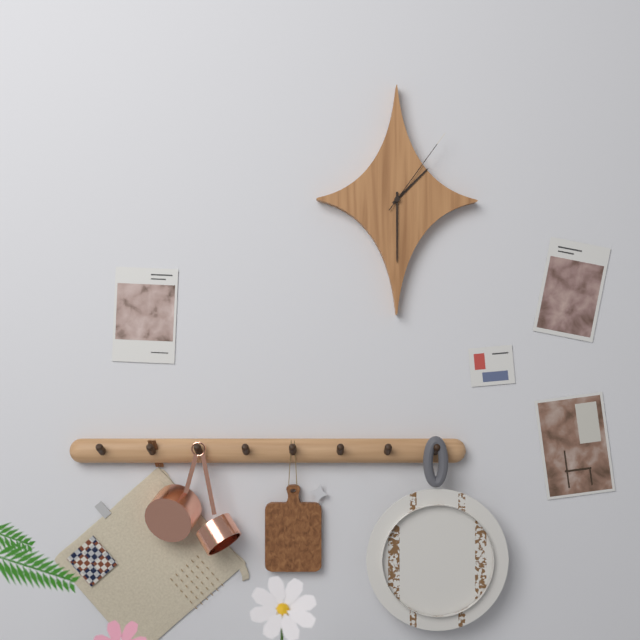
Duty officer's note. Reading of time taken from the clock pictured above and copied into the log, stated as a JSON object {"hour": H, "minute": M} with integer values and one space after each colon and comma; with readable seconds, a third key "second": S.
{"hour": 1, "minute": 30, "second": 6}
